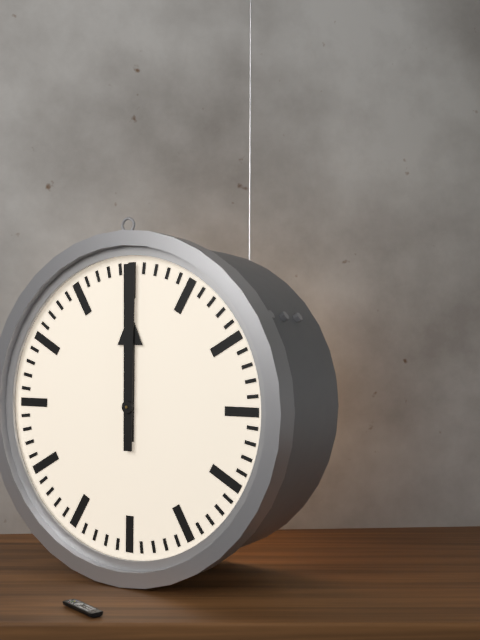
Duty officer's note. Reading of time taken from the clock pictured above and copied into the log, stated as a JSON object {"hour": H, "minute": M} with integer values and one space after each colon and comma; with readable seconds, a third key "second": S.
{"hour": 12, "minute": 0}
